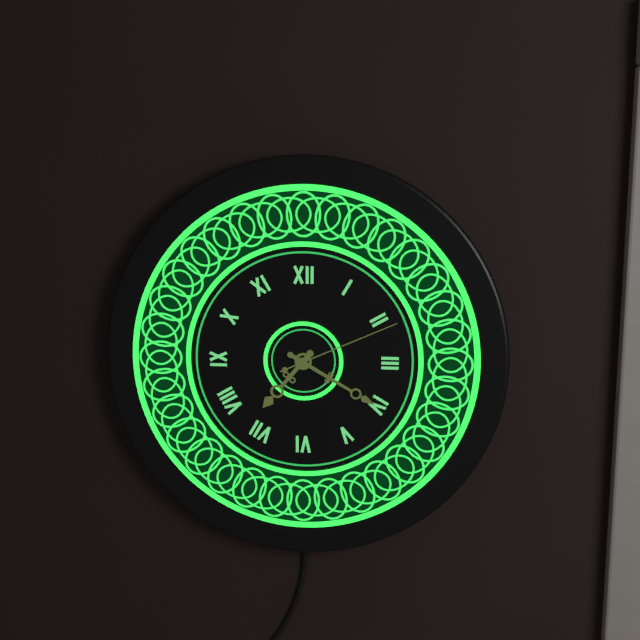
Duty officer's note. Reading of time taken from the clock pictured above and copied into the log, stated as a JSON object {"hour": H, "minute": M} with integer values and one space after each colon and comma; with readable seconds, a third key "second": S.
{"hour": 7, "minute": 20, "second": 11}
